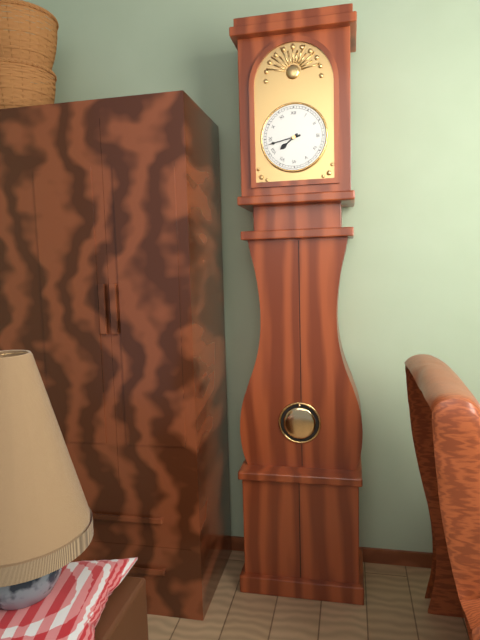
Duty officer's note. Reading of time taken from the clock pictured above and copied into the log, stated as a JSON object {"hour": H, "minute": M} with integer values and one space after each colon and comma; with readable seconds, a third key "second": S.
{"hour": 7, "minute": 43}
